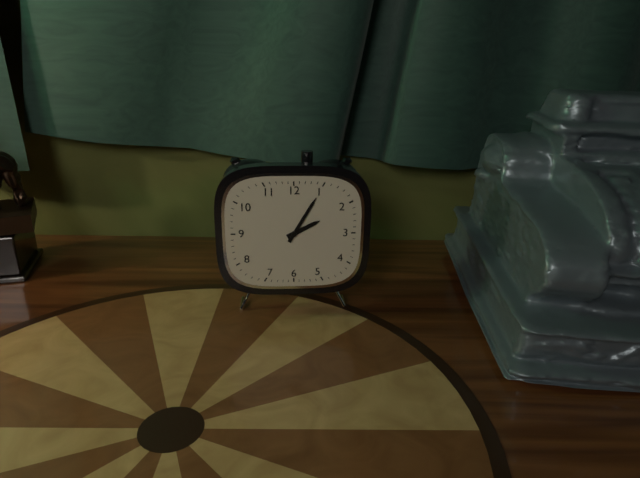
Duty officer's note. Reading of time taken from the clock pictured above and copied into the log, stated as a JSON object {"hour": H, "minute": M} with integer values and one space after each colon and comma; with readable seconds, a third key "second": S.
{"hour": 2, "minute": 5}
